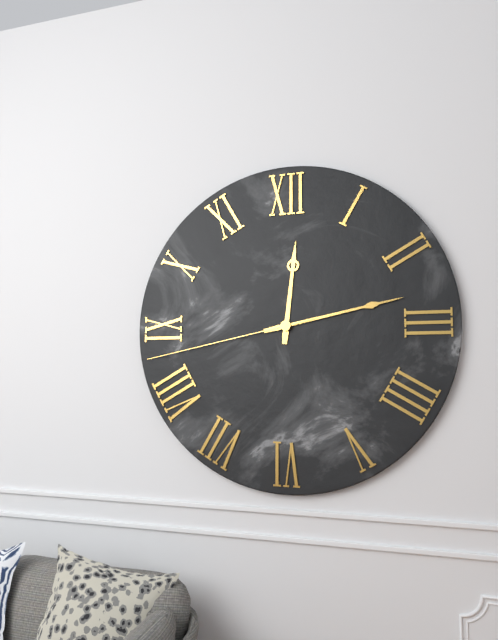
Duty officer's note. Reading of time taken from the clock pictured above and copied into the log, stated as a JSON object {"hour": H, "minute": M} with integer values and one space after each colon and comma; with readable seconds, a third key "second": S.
{"hour": 12, "minute": 13, "second": 43}
